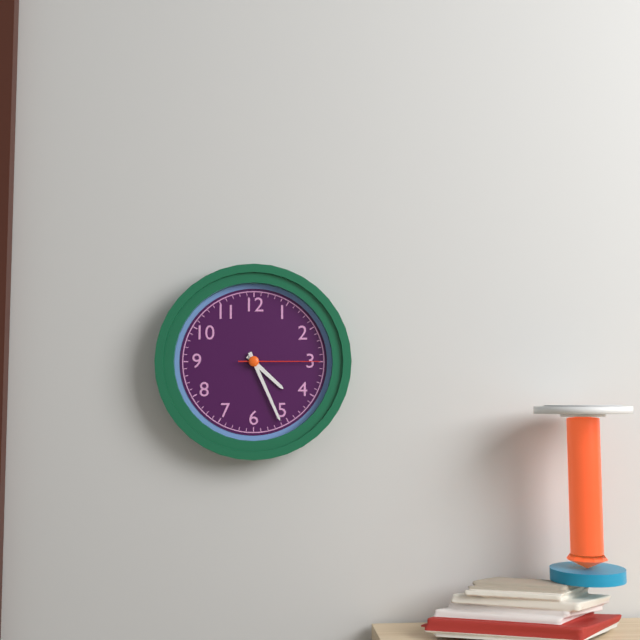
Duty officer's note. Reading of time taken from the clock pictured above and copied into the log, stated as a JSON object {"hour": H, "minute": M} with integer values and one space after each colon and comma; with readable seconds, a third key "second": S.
{"hour": 4, "minute": 26, "second": 15}
